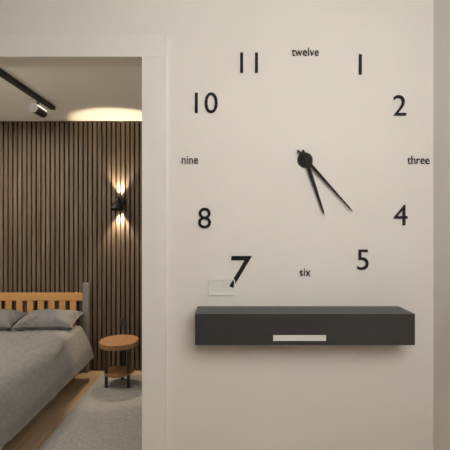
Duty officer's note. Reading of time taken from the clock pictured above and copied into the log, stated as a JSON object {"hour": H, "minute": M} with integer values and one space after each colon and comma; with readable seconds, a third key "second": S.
{"hour": 5, "minute": 23}
